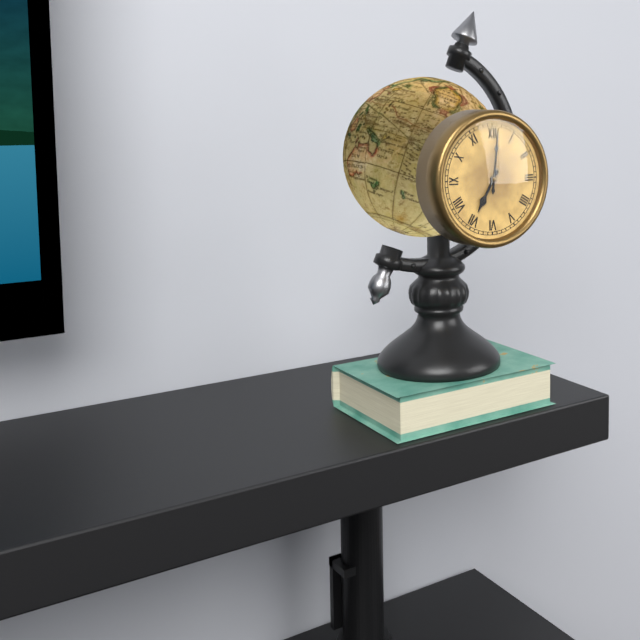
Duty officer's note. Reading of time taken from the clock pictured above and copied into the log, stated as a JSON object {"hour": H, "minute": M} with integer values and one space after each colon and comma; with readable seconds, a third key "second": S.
{"hour": 7, "minute": 1}
